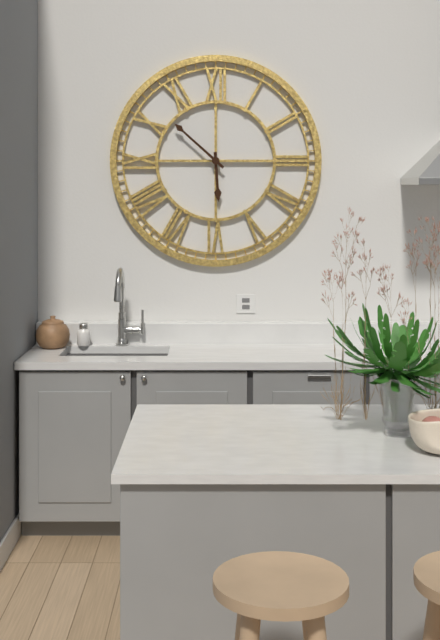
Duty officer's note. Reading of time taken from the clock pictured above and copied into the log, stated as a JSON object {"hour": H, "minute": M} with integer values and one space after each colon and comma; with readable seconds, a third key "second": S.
{"hour": 5, "minute": 52}
